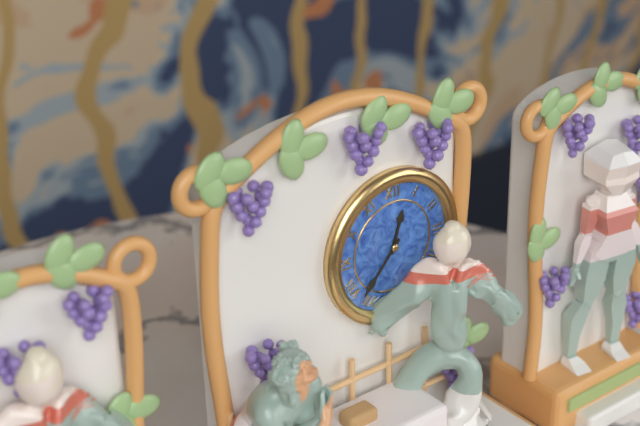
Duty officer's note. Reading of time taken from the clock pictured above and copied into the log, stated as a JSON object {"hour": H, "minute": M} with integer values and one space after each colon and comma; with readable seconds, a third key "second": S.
{"hour": 12, "minute": 37}
